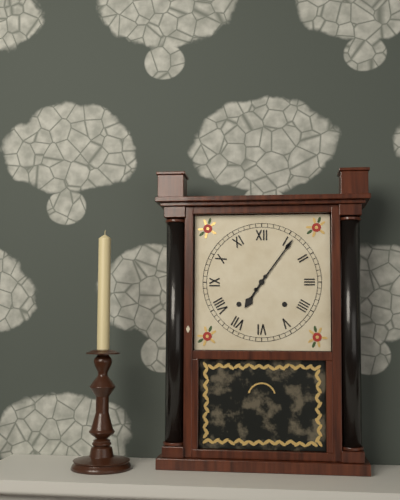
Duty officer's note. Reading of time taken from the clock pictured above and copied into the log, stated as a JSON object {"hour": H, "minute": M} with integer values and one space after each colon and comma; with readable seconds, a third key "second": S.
{"hour": 7, "minute": 6}
